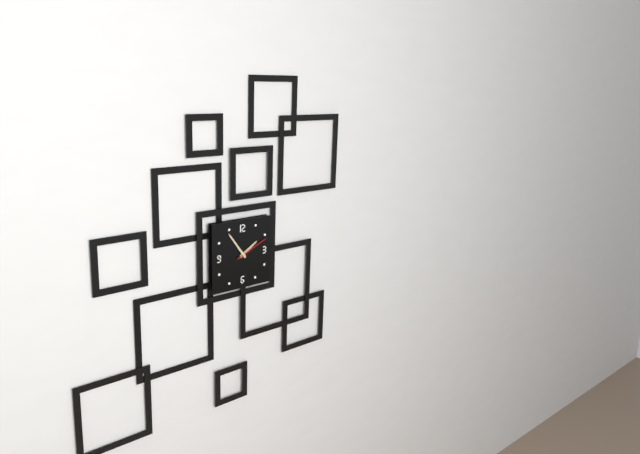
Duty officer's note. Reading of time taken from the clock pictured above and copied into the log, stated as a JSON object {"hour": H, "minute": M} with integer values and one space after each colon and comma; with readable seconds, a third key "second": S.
{"hour": 1, "minute": 54}
